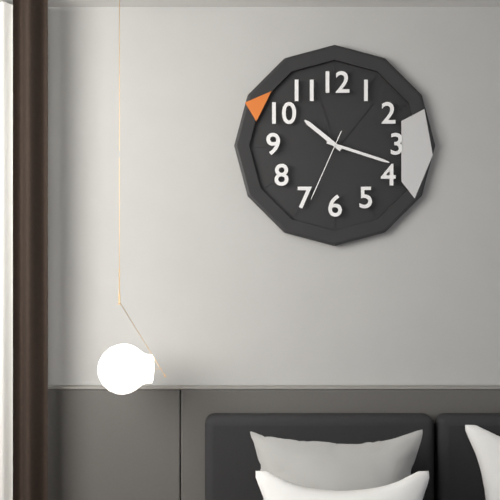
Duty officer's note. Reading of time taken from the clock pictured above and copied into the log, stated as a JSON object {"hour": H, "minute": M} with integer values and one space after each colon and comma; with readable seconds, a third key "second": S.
{"hour": 10, "minute": 18, "second": 34}
